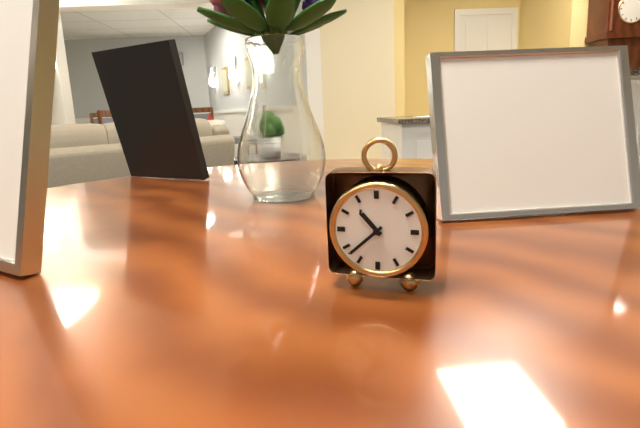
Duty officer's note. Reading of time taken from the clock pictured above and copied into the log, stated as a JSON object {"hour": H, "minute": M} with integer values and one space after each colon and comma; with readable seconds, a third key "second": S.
{"hour": 10, "minute": 38}
